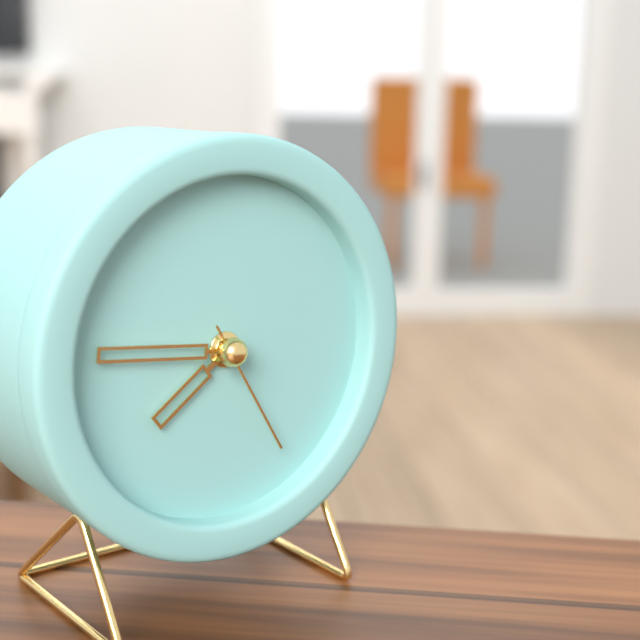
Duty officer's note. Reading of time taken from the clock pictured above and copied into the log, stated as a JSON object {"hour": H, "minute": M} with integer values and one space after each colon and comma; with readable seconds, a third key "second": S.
{"hour": 7, "minute": 46, "second": 25}
